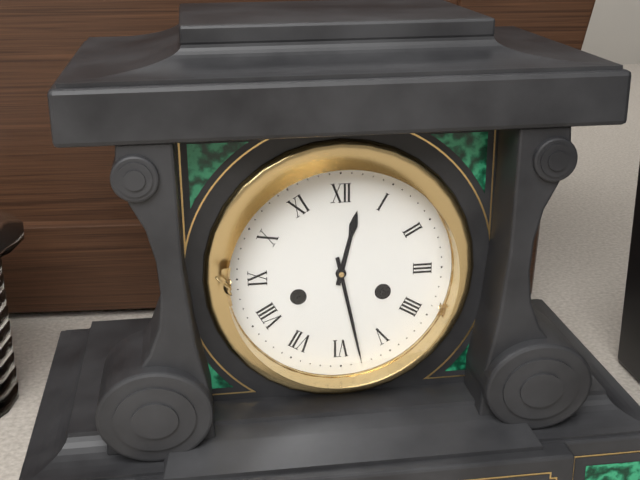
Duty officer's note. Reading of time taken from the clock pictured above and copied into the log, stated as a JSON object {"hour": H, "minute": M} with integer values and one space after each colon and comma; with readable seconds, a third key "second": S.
{"hour": 12, "minute": 28}
